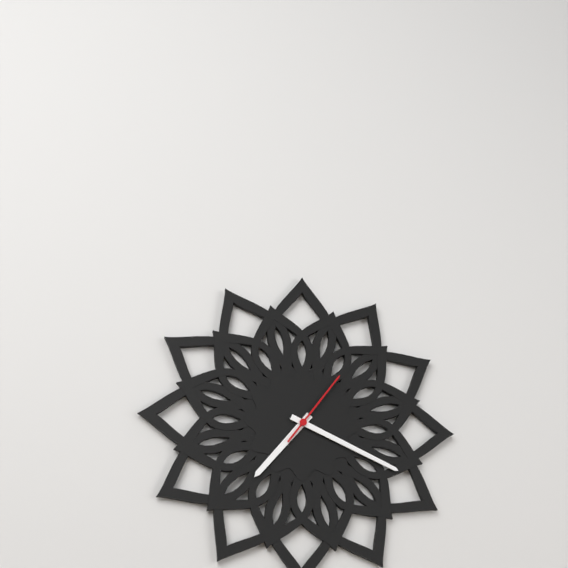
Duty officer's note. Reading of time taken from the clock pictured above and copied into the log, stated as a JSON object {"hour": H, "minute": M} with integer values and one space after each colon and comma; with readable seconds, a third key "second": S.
{"hour": 7, "minute": 19, "second": 6}
